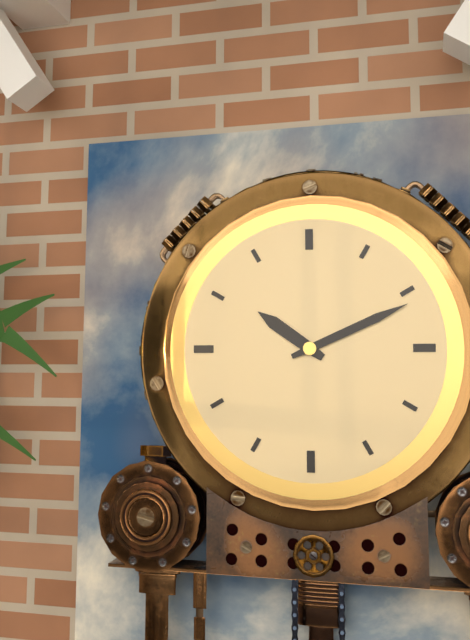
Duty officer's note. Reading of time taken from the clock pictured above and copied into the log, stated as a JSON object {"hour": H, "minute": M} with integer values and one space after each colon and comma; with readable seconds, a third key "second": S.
{"hour": 10, "minute": 11}
